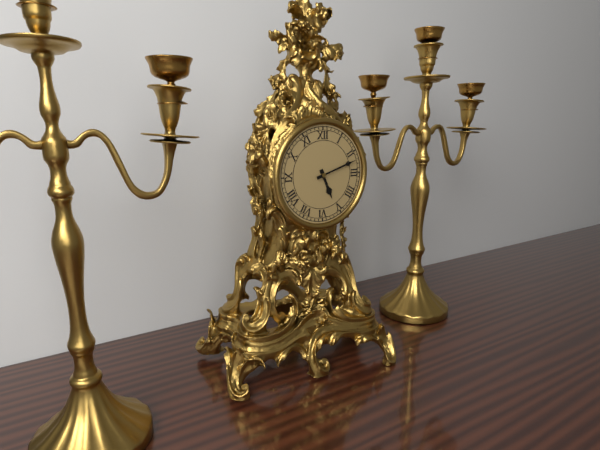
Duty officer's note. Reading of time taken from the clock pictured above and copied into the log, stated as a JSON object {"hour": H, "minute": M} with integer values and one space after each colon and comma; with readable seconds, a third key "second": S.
{"hour": 5, "minute": 12}
